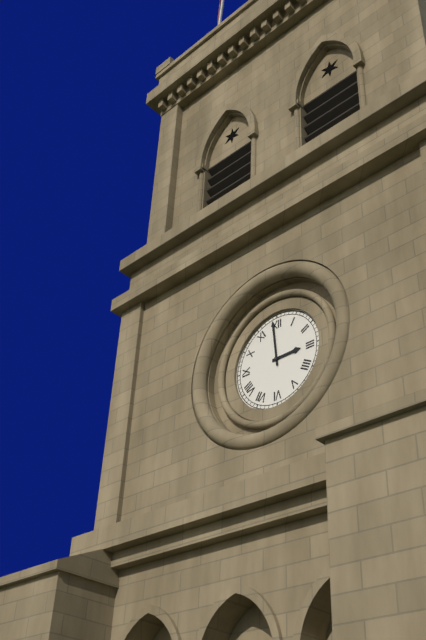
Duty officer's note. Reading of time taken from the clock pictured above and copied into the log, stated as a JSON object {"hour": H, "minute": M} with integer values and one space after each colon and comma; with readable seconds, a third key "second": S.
{"hour": 2, "minute": 59}
